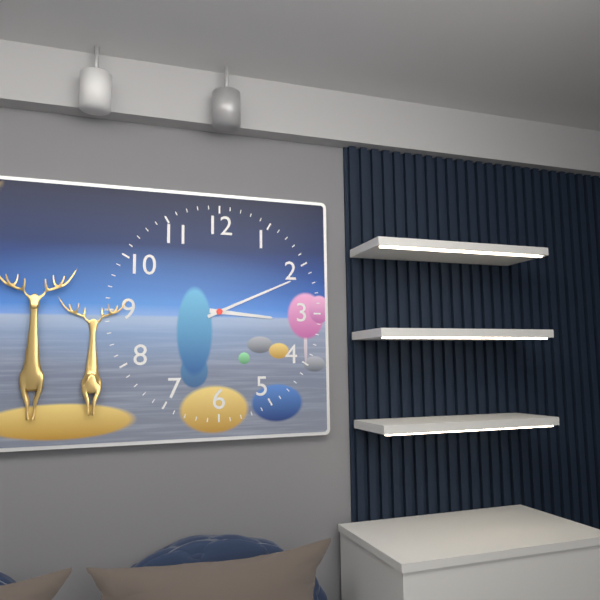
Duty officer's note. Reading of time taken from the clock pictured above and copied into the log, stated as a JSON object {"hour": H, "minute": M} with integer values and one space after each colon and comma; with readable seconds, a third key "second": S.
{"hour": 3, "minute": 11}
